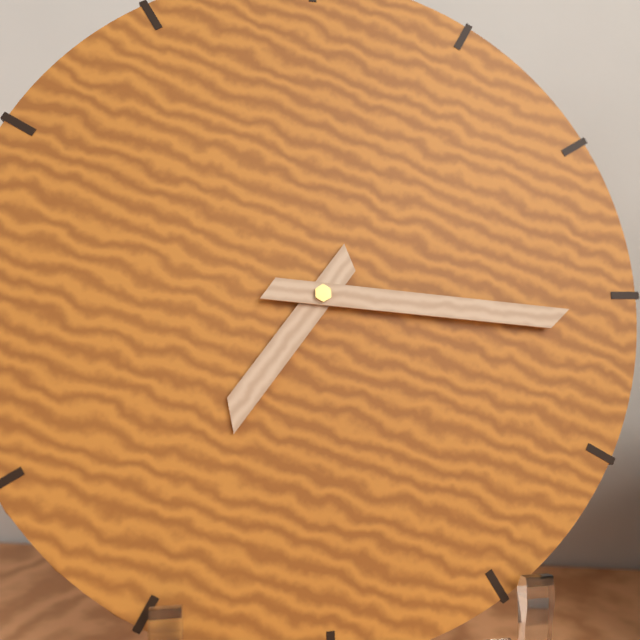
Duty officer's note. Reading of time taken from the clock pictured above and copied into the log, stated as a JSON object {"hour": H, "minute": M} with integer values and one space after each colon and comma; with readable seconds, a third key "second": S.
{"hour": 7, "minute": 16}
